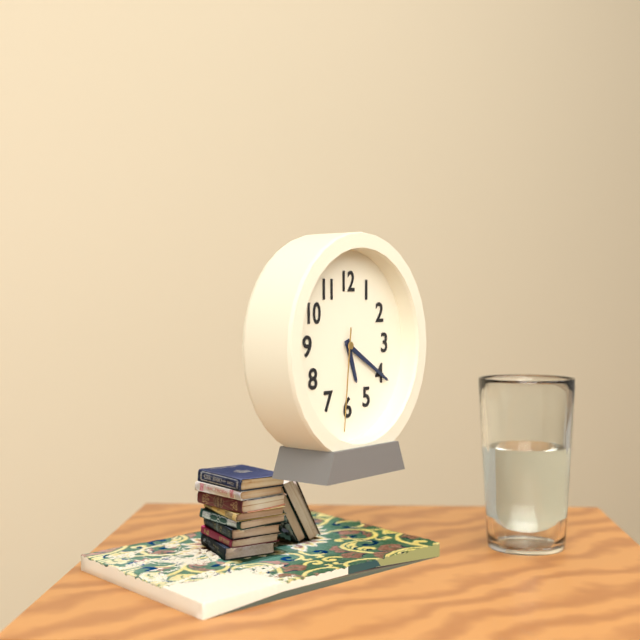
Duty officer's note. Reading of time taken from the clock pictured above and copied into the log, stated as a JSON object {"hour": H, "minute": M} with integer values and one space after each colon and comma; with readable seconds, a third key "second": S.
{"hour": 5, "minute": 20, "second": 31}
